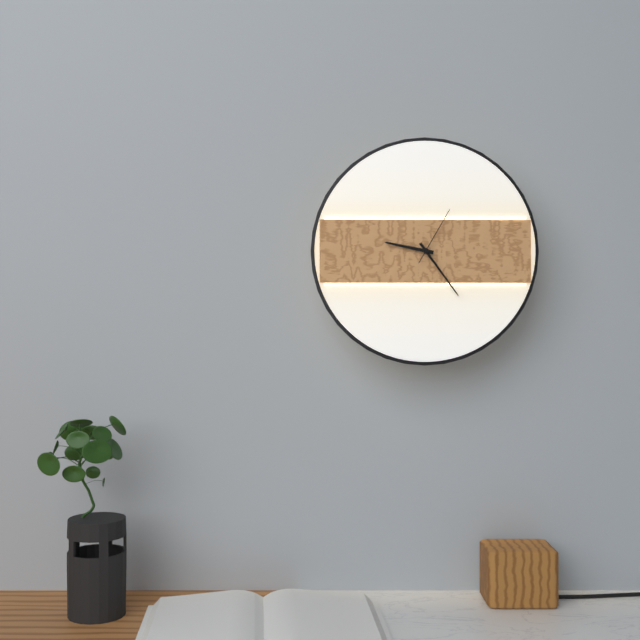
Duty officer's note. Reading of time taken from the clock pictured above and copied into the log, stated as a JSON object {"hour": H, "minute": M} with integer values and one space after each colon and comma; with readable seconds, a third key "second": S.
{"hour": 9, "minute": 24, "second": 5}
